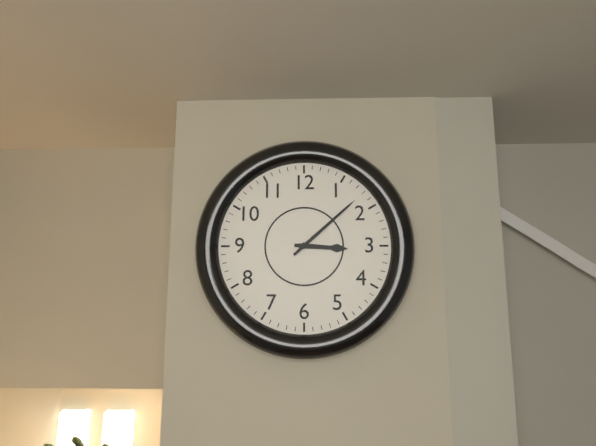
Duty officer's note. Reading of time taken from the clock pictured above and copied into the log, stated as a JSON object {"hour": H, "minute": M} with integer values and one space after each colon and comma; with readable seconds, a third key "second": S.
{"hour": 3, "minute": 8}
